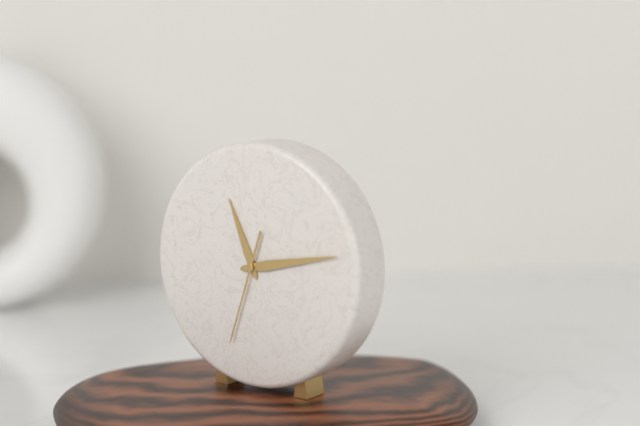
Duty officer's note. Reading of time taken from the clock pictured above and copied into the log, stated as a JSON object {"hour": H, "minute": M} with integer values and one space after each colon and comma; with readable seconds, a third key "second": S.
{"hour": 11, "minute": 13, "second": 33}
